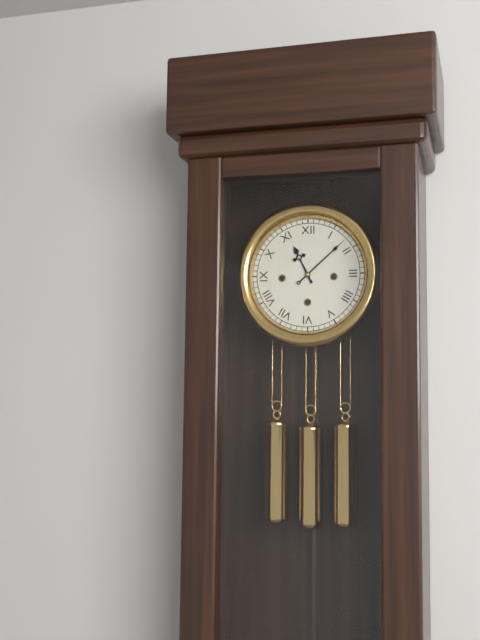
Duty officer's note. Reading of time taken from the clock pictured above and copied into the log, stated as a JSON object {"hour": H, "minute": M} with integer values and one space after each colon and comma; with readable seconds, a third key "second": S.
{"hour": 11, "minute": 8}
